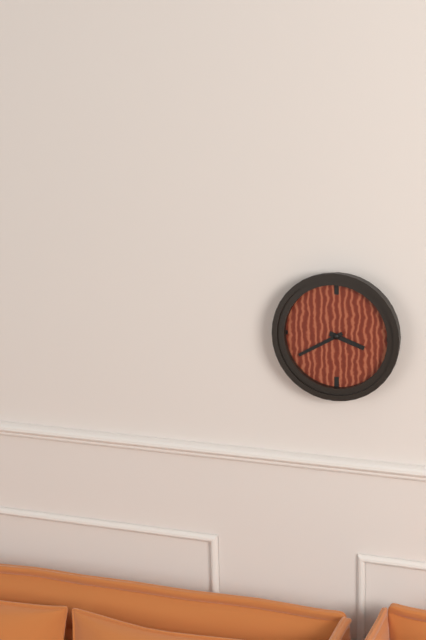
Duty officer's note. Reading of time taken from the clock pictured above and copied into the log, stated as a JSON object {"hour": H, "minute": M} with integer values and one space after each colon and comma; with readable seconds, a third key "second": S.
{"hour": 3, "minute": 40}
